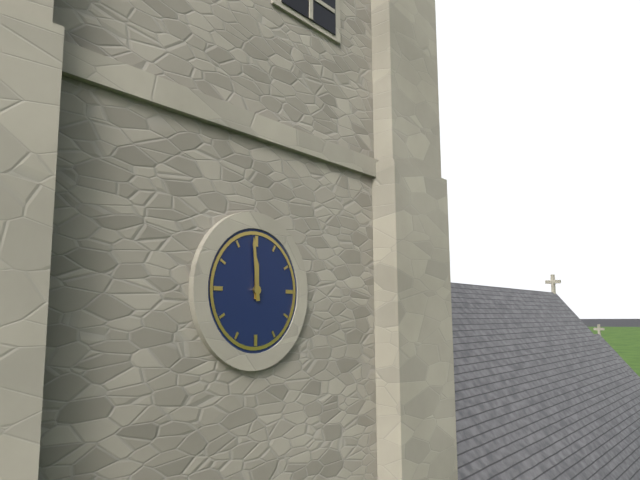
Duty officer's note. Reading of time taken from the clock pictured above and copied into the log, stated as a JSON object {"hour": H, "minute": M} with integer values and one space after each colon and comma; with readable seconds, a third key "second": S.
{"hour": 11, "minute": 59}
